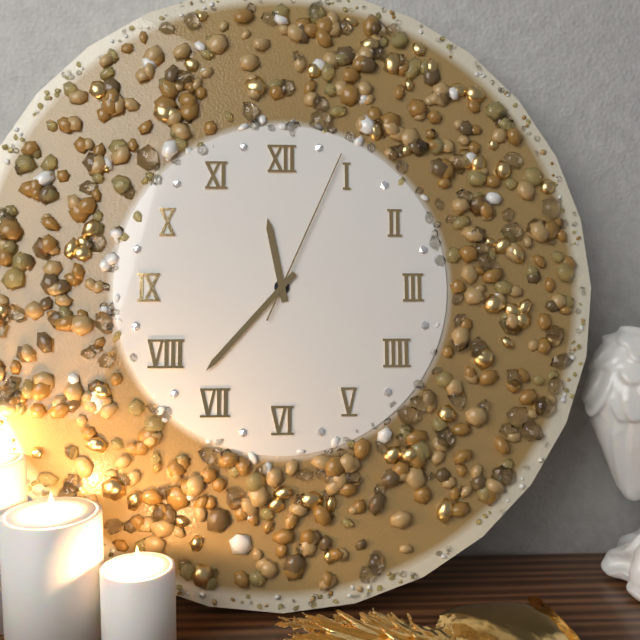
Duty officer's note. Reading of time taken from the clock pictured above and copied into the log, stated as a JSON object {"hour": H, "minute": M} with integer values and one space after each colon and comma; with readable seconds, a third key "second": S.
{"hour": 11, "minute": 37, "second": 4}
